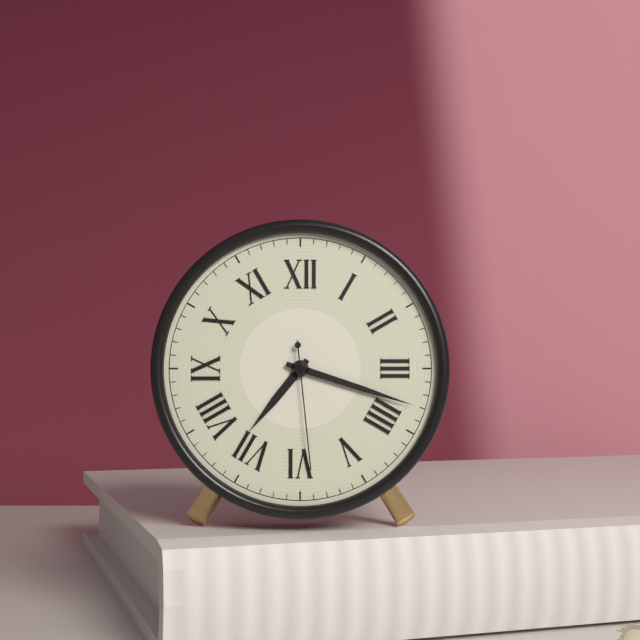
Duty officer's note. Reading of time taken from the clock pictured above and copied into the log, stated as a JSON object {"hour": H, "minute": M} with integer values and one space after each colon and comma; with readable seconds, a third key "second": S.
{"hour": 7, "minute": 18, "second": 29}
